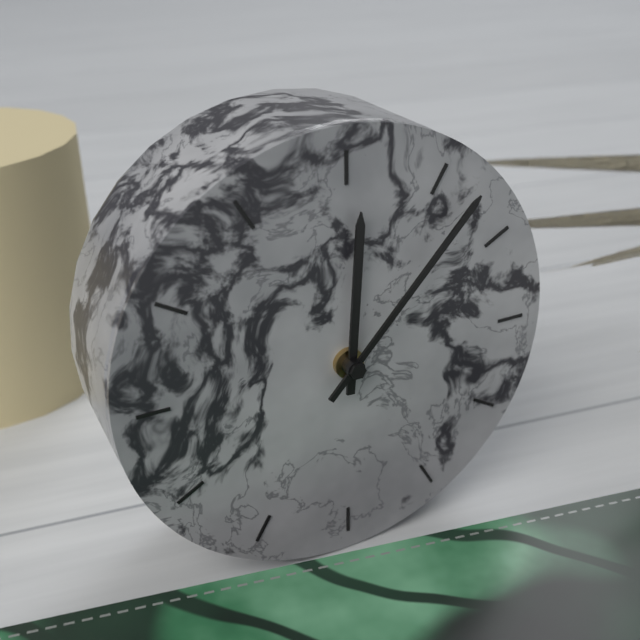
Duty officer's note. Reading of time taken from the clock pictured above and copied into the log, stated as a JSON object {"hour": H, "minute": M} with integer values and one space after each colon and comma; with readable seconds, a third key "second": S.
{"hour": 12, "minute": 7}
